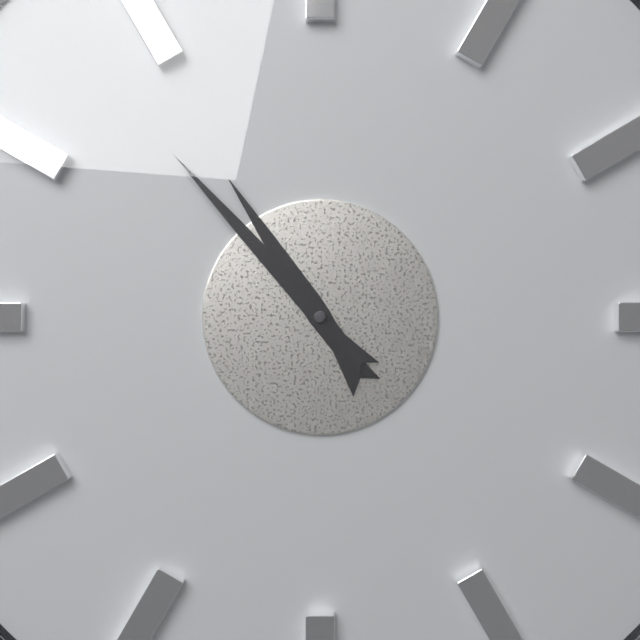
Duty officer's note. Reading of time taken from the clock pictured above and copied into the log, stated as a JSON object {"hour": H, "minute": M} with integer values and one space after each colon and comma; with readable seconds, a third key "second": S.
{"hour": 10, "minute": 53}
